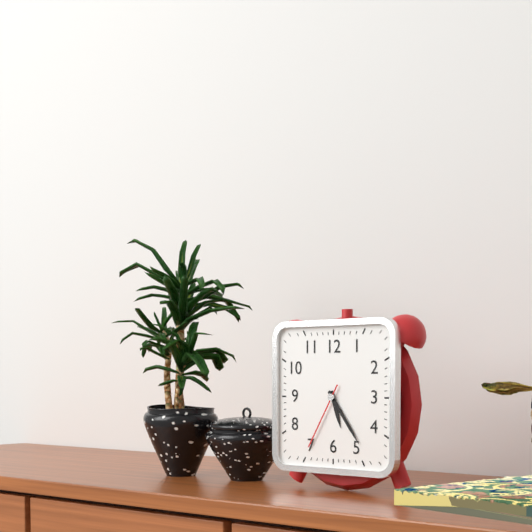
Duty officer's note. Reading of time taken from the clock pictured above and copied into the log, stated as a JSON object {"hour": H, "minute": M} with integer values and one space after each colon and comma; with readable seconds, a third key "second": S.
{"hour": 5, "minute": 24, "second": 35}
